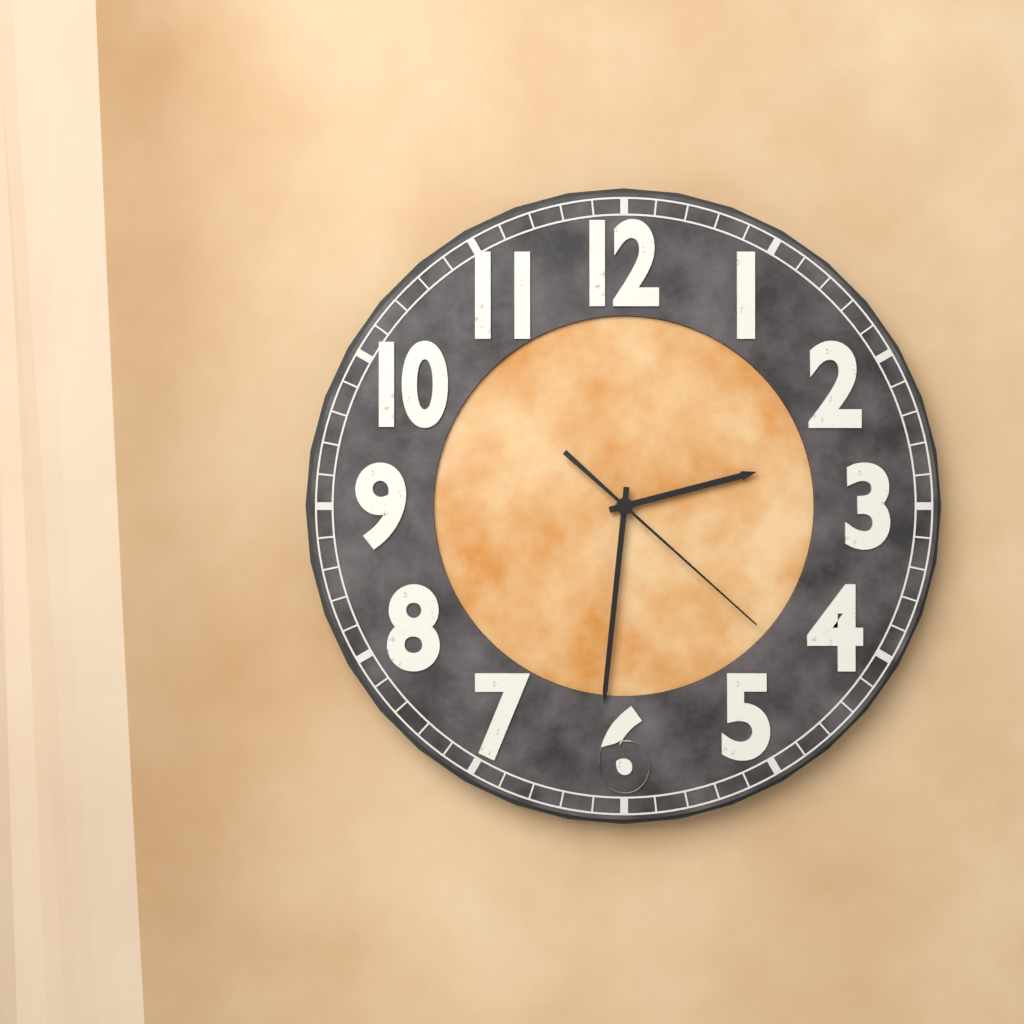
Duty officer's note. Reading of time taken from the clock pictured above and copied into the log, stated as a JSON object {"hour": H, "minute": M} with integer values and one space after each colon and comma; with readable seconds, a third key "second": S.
{"hour": 2, "minute": 31, "second": 22}
